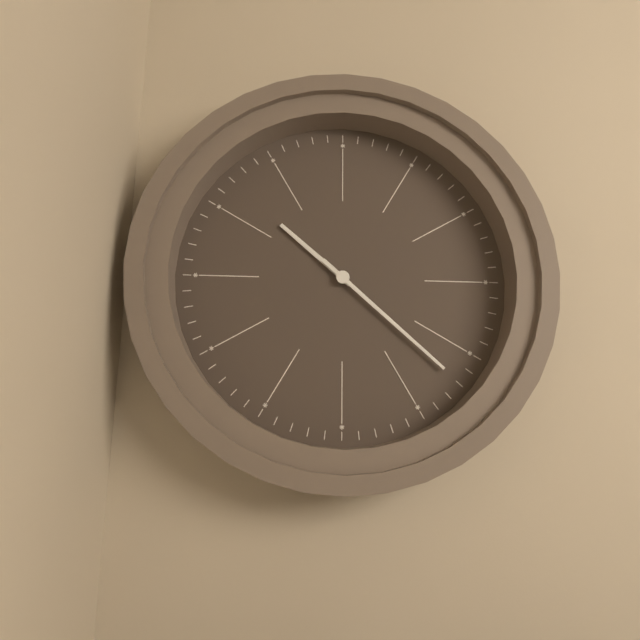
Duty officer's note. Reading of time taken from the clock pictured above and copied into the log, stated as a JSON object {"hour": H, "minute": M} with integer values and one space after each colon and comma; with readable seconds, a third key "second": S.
{"hour": 10, "minute": 22}
